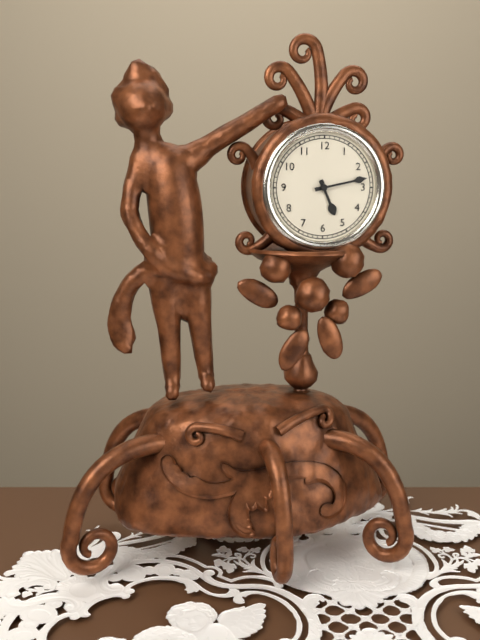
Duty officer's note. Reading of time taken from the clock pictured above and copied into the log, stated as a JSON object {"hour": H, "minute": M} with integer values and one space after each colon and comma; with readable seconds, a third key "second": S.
{"hour": 5, "minute": 13}
